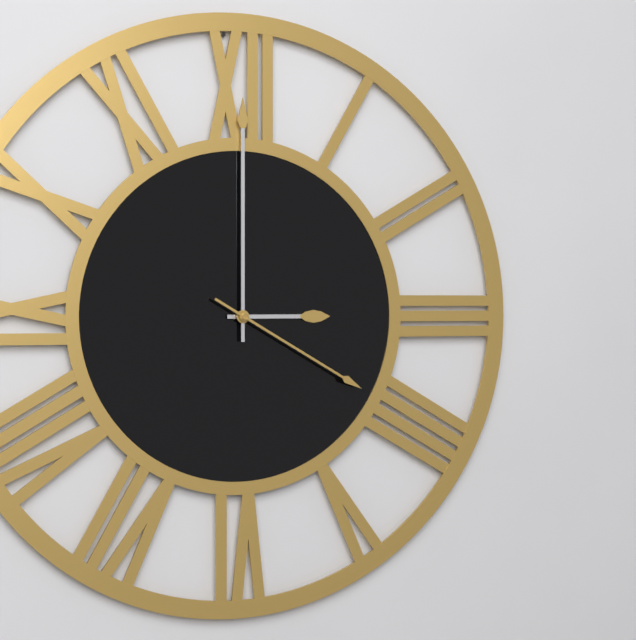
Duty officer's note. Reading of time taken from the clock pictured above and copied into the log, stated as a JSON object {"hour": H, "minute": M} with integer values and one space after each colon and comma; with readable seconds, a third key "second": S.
{"hour": 3, "minute": 0, "second": 20}
